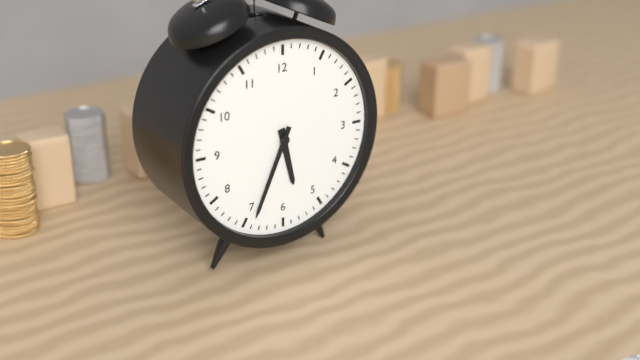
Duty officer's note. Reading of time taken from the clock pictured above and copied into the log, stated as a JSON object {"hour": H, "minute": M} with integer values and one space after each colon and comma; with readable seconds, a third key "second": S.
{"hour": 5, "minute": 34}
